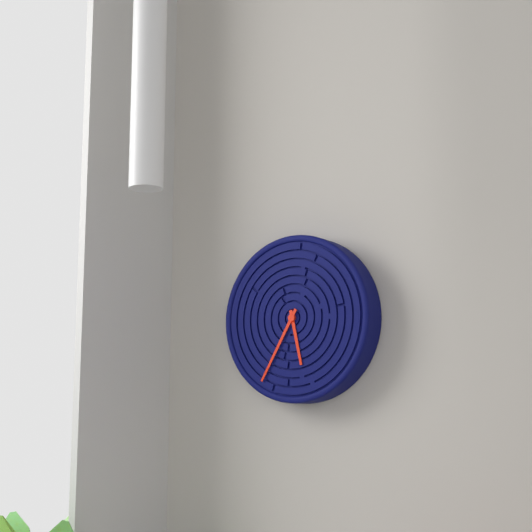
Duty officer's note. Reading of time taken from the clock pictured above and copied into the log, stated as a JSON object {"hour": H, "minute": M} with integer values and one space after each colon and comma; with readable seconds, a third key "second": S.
{"hour": 5, "minute": 35}
